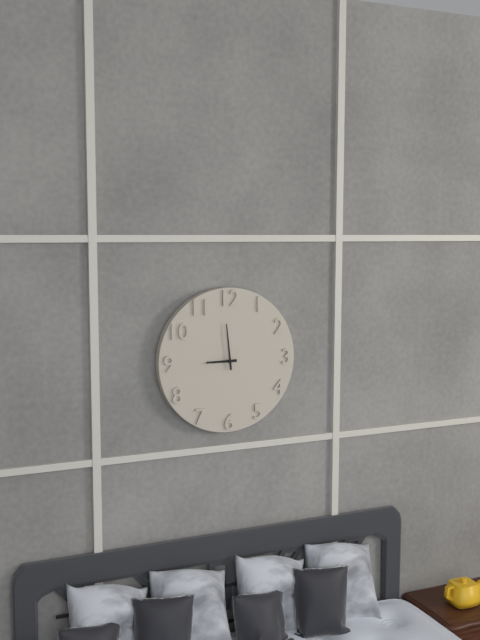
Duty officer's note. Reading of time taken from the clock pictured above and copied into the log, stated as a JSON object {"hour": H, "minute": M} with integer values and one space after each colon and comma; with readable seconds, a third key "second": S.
{"hour": 8, "minute": 59}
